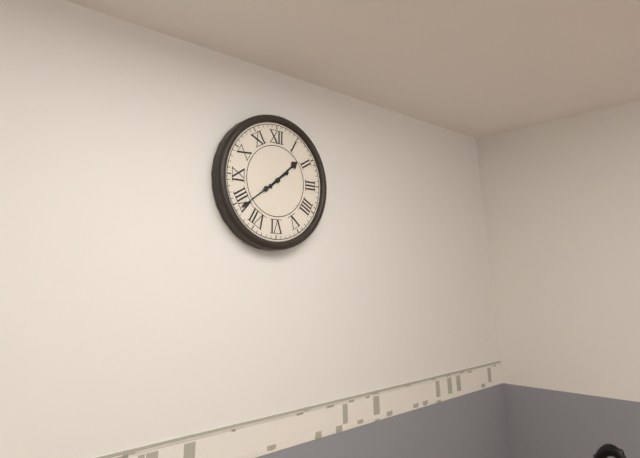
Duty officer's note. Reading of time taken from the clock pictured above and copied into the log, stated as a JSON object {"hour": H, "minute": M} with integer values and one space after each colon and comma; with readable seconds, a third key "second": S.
{"hour": 1, "minute": 39}
